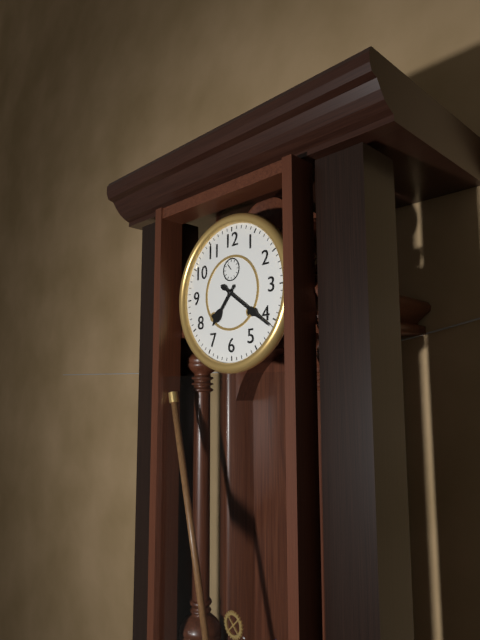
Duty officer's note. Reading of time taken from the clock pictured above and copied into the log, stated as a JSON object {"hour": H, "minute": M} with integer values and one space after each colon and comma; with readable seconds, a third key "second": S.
{"hour": 7, "minute": 21}
